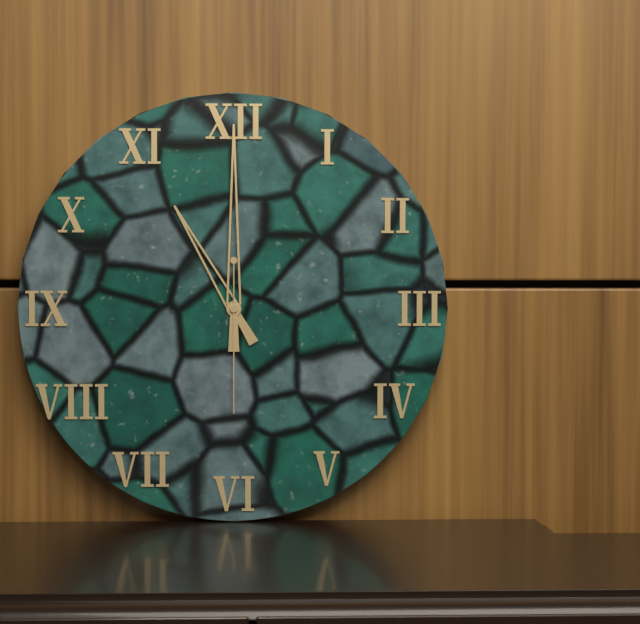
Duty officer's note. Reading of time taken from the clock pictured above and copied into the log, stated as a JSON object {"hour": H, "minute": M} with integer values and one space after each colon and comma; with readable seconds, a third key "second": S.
{"hour": 11, "minute": 0, "second": 30}
